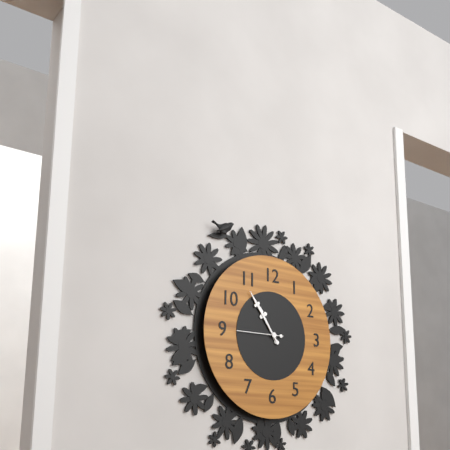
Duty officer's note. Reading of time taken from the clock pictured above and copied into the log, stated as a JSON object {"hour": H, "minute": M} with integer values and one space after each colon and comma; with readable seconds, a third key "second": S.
{"hour": 10, "minute": 54}
